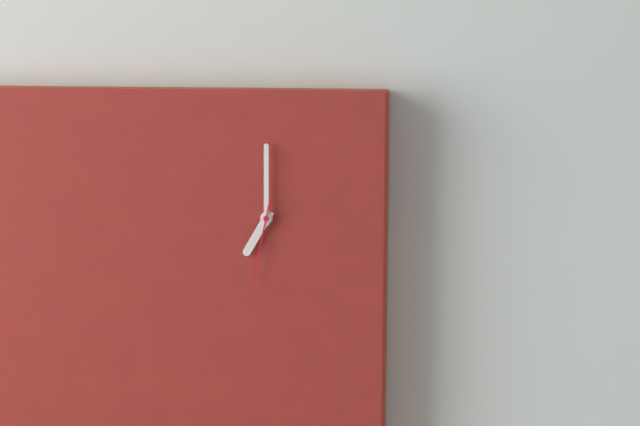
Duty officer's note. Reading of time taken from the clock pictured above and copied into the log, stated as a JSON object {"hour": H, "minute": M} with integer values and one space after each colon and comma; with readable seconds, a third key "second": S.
{"hour": 7, "minute": 0, "second": 32}
